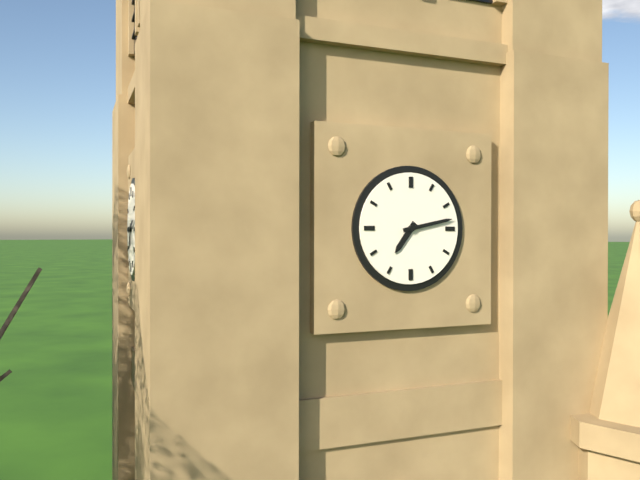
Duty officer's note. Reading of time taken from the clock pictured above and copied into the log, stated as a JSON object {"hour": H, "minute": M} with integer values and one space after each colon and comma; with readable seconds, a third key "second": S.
{"hour": 7, "minute": 13}
